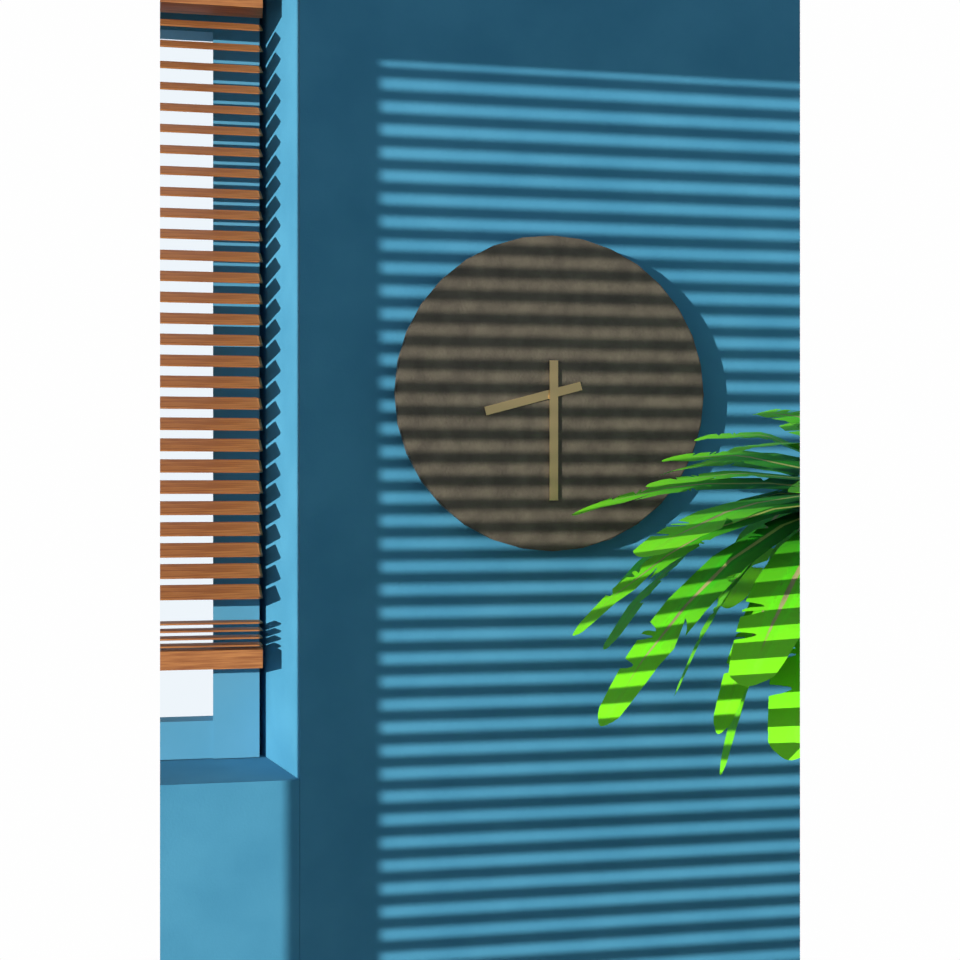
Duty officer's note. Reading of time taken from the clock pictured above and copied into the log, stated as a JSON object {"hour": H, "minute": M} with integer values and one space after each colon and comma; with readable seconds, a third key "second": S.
{"hour": 8, "minute": 30}
